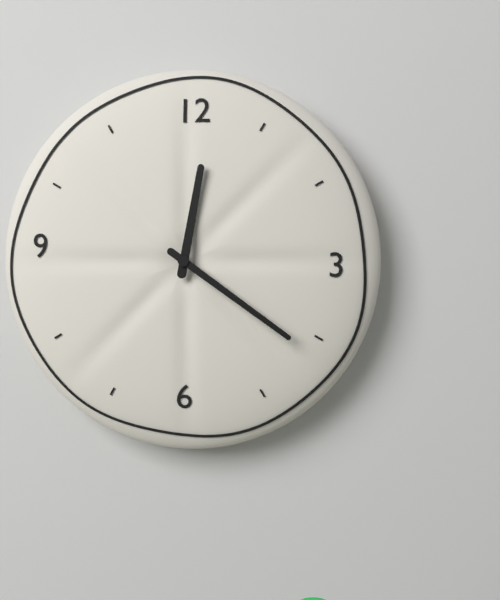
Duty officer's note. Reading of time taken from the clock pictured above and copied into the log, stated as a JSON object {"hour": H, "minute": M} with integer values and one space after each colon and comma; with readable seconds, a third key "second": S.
{"hour": 12, "minute": 21}
